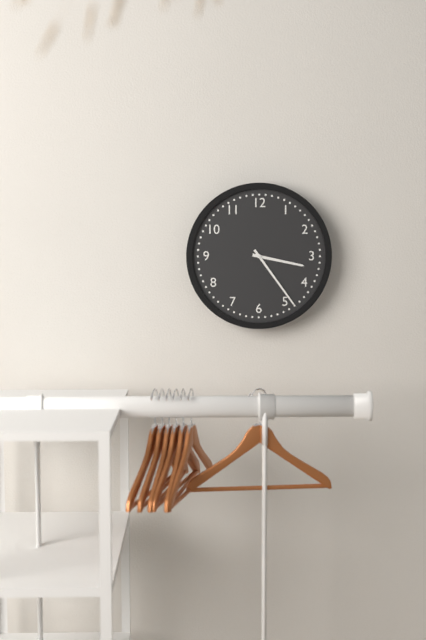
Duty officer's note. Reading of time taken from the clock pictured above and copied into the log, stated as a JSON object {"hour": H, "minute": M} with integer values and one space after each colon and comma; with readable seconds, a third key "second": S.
{"hour": 3, "minute": 24}
